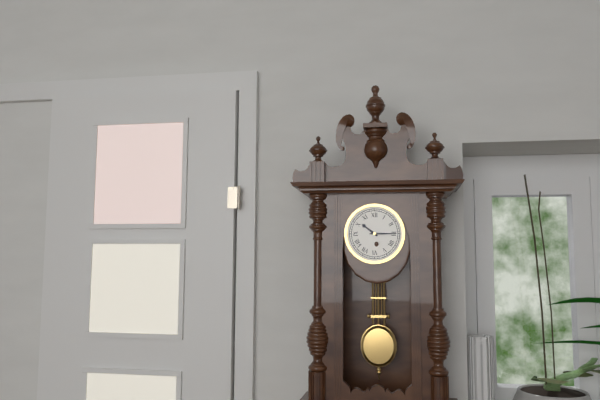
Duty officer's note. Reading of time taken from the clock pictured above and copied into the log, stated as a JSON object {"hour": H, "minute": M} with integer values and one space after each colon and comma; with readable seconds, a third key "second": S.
{"hour": 10, "minute": 15}
